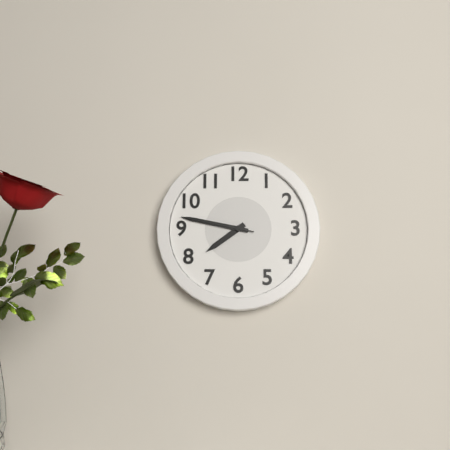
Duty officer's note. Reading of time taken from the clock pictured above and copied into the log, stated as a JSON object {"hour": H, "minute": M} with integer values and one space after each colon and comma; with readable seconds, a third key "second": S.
{"hour": 7, "minute": 47, "second": 47}
